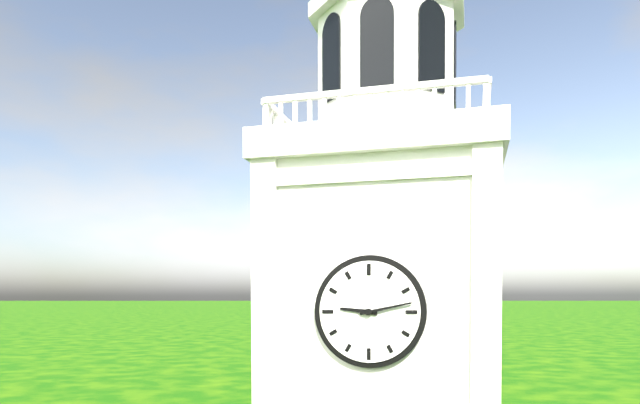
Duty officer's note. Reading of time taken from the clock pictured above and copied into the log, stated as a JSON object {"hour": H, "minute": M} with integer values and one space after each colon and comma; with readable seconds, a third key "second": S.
{"hour": 9, "minute": 13}
